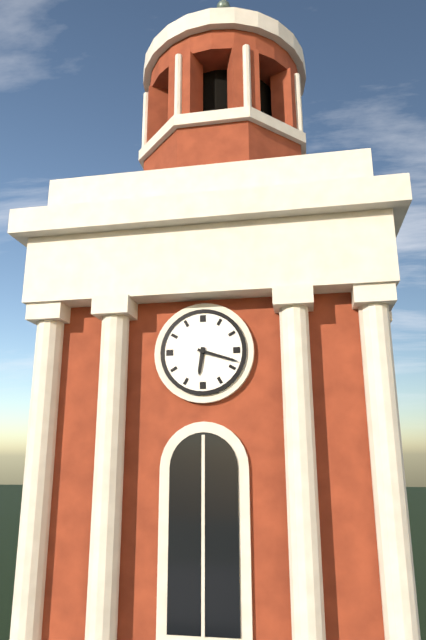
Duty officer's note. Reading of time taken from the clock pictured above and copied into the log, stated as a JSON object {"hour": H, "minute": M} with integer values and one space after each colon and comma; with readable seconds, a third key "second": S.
{"hour": 6, "minute": 18}
